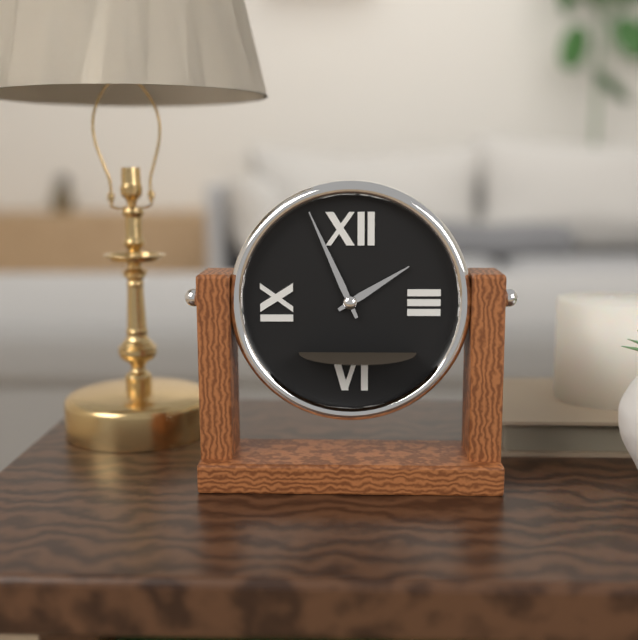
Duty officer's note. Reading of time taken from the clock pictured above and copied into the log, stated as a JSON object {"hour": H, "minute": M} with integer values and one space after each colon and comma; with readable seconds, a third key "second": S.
{"hour": 1, "minute": 56}
